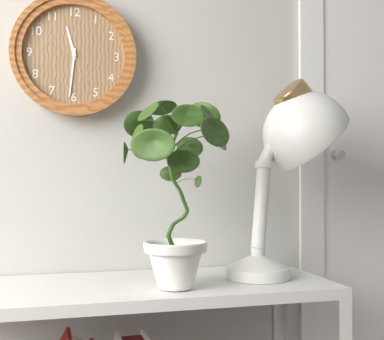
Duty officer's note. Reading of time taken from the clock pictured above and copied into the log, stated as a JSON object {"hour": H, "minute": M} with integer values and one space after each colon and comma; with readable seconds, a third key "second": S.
{"hour": 11, "minute": 31}
